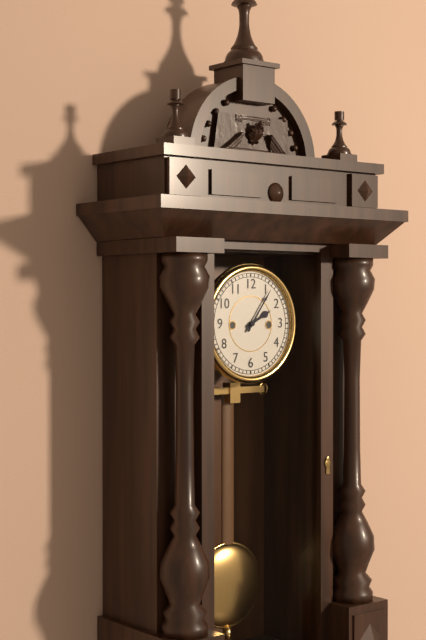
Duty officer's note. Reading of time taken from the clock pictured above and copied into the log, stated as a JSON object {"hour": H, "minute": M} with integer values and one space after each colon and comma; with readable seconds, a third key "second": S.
{"hour": 2, "minute": 6}
